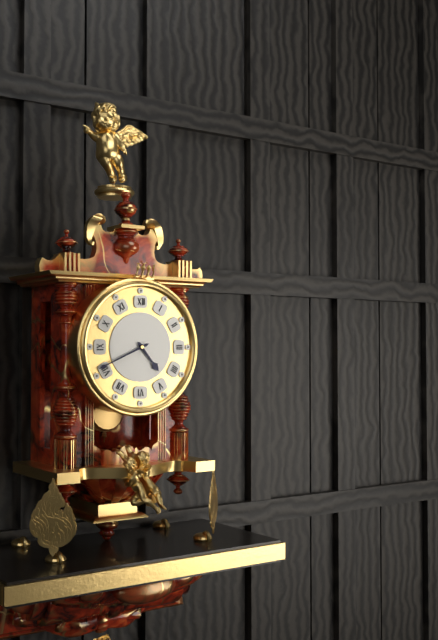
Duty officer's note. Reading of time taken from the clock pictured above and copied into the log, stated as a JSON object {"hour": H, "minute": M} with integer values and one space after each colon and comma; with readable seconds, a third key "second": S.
{"hour": 4, "minute": 41}
